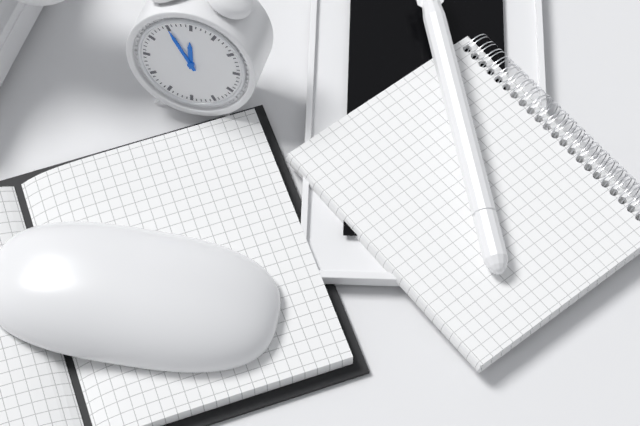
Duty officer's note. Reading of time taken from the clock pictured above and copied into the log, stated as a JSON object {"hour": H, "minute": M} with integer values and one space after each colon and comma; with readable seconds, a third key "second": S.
{"hour": 11, "minute": 55}
